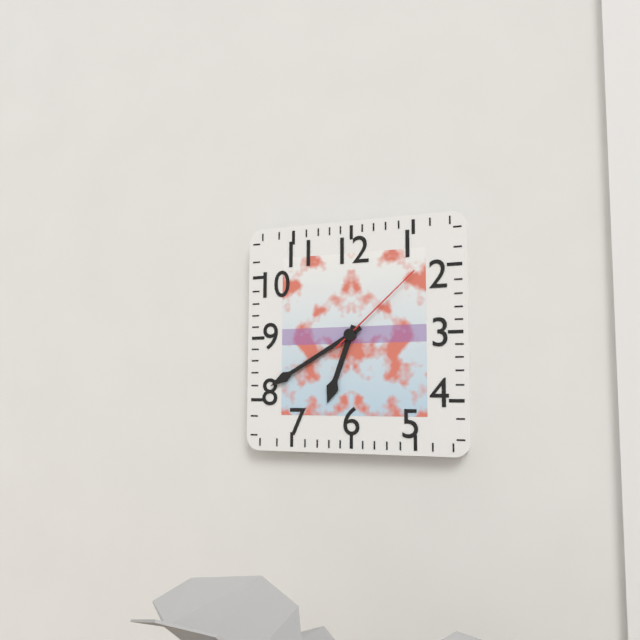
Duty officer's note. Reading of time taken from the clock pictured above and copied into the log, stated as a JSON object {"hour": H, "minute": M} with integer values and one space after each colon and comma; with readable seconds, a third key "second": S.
{"hour": 6, "minute": 40, "second": 8}
